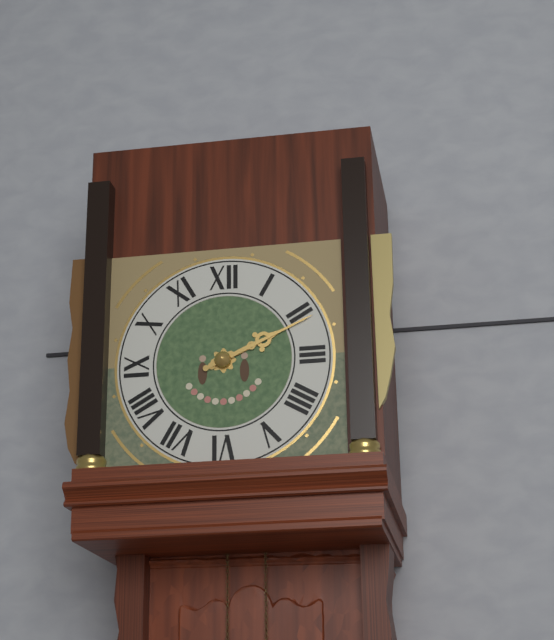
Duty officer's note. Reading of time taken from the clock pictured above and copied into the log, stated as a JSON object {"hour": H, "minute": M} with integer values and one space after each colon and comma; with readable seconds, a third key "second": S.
{"hour": 2, "minute": 11}
